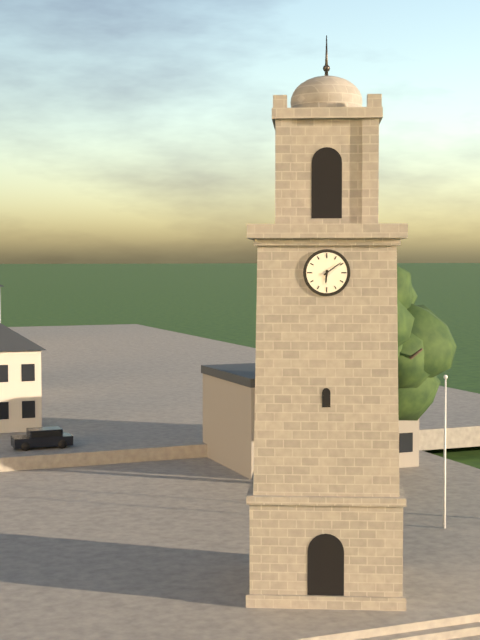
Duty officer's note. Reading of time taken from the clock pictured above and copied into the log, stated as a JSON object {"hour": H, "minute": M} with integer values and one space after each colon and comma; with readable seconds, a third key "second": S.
{"hour": 6, "minute": 9}
